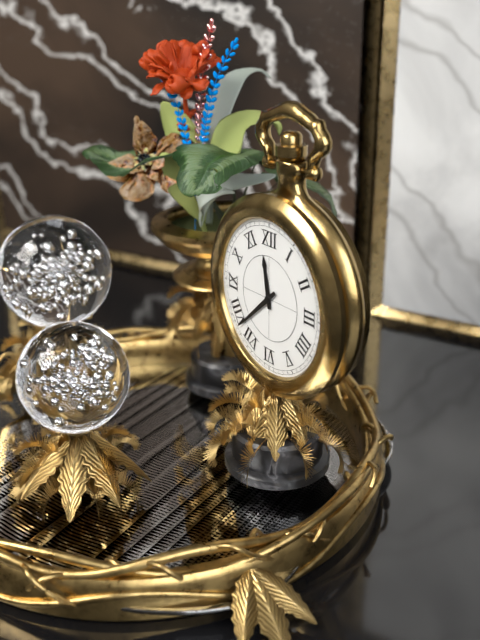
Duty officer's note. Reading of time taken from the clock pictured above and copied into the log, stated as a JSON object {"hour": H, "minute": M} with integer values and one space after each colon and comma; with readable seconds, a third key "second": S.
{"hour": 11, "minute": 38}
